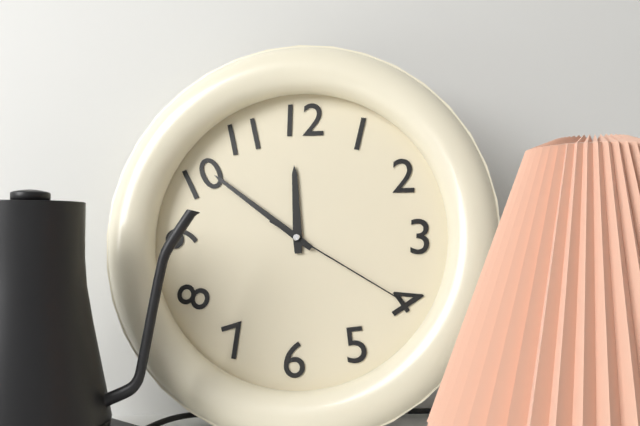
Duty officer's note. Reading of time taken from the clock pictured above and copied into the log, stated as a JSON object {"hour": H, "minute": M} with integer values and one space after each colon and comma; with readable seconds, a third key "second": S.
{"hour": 11, "minute": 51, "second": 20}
